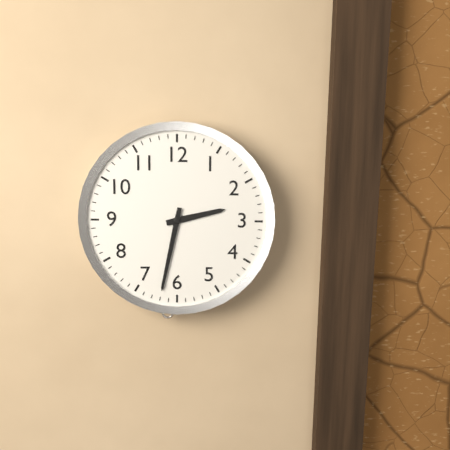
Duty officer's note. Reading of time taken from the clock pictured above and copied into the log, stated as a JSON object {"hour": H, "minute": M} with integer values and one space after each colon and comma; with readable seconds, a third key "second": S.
{"hour": 2, "minute": 32}
